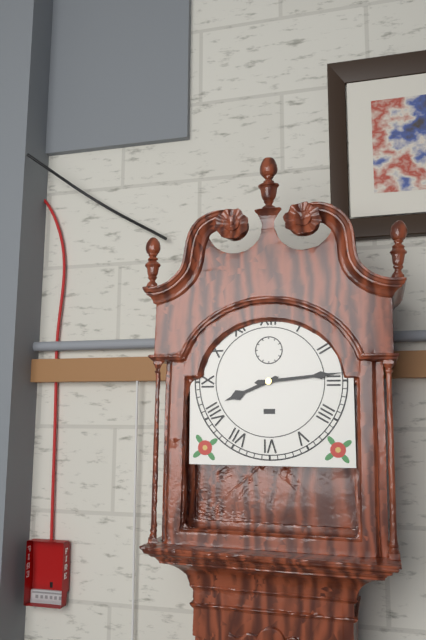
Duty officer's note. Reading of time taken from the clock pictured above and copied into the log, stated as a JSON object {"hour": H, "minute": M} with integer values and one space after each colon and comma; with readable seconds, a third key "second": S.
{"hour": 8, "minute": 14}
